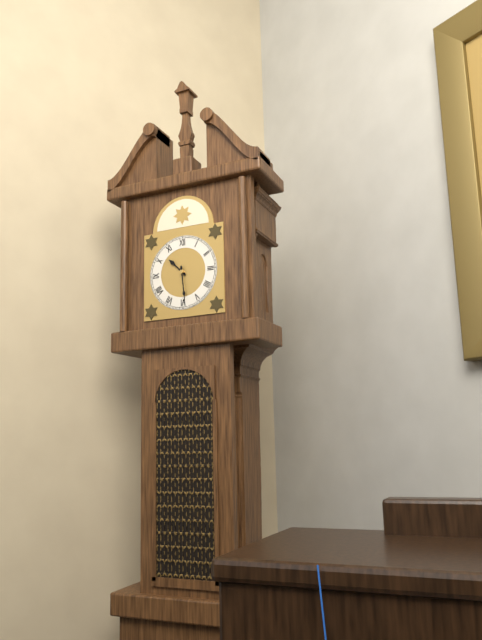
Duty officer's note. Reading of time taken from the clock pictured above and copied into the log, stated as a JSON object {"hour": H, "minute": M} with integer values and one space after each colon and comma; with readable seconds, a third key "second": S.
{"hour": 10, "minute": 29}
